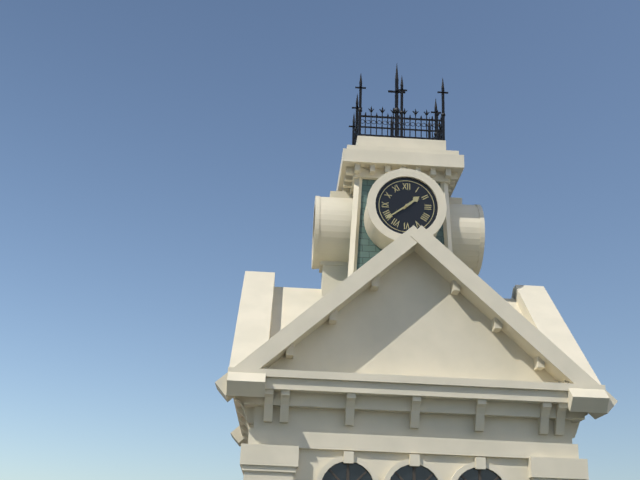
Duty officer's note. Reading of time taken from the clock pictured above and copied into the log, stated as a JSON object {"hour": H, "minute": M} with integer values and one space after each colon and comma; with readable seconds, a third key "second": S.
{"hour": 1, "minute": 39}
